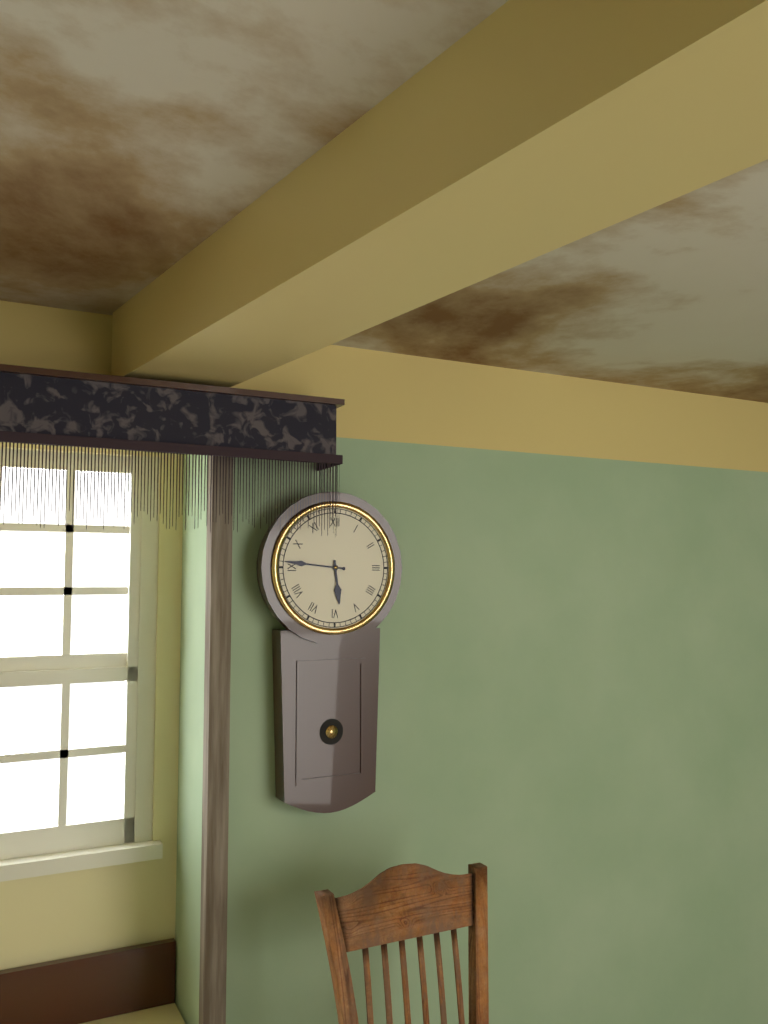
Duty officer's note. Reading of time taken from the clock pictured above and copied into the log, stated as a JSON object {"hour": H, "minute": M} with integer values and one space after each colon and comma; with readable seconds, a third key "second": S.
{"hour": 5, "minute": 46}
